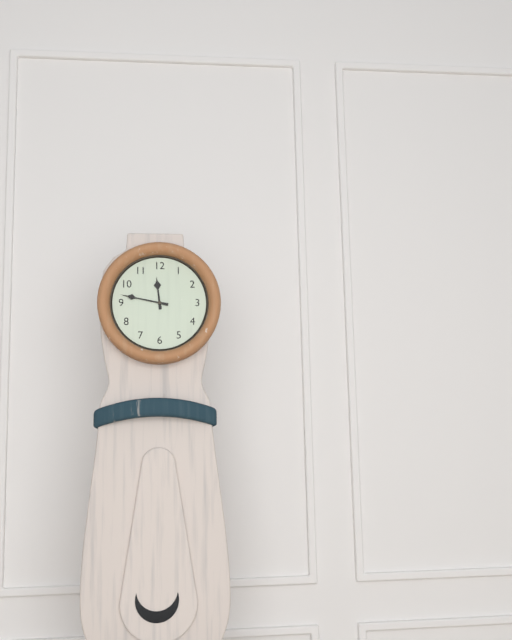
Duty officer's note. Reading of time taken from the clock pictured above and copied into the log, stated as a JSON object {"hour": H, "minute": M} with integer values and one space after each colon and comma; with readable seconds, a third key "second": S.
{"hour": 11, "minute": 47}
